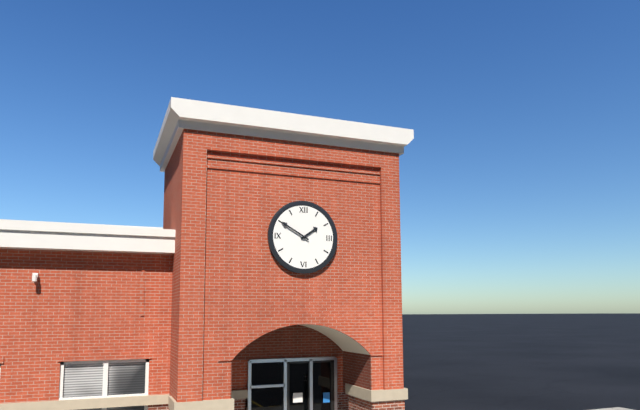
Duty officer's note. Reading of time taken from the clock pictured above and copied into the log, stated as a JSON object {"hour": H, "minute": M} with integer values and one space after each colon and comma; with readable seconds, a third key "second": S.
{"hour": 1, "minute": 50}
